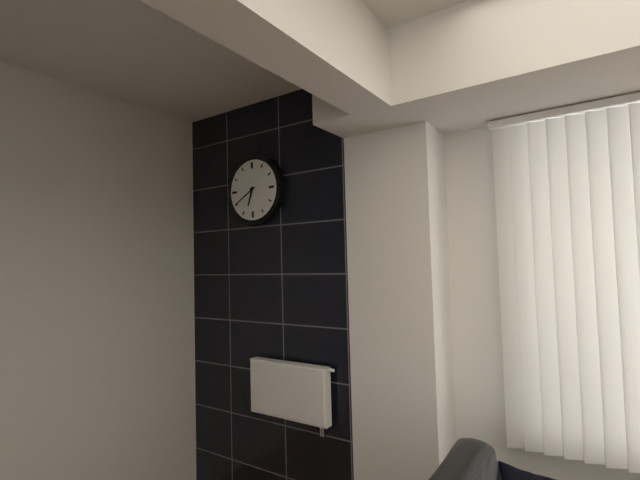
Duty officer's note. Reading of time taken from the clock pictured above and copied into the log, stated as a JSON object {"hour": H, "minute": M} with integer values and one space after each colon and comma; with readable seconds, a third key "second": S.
{"hour": 6, "minute": 40}
